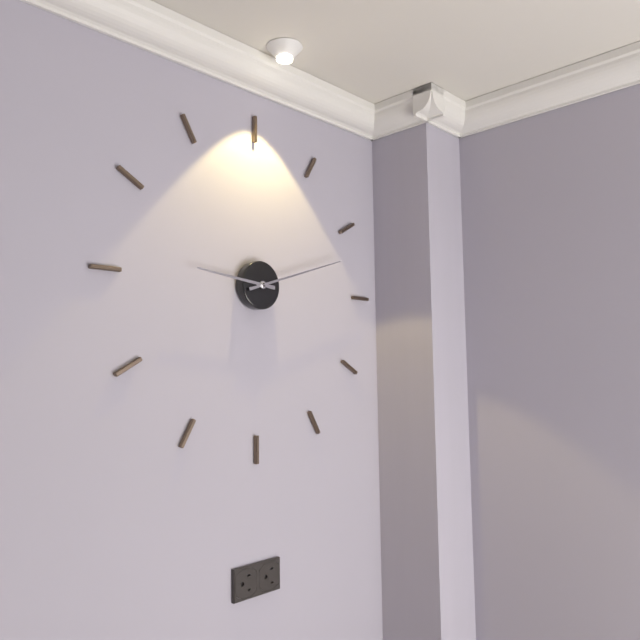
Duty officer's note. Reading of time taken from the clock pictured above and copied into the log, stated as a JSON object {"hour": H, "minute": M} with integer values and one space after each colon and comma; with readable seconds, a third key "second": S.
{"hour": 9, "minute": 12}
